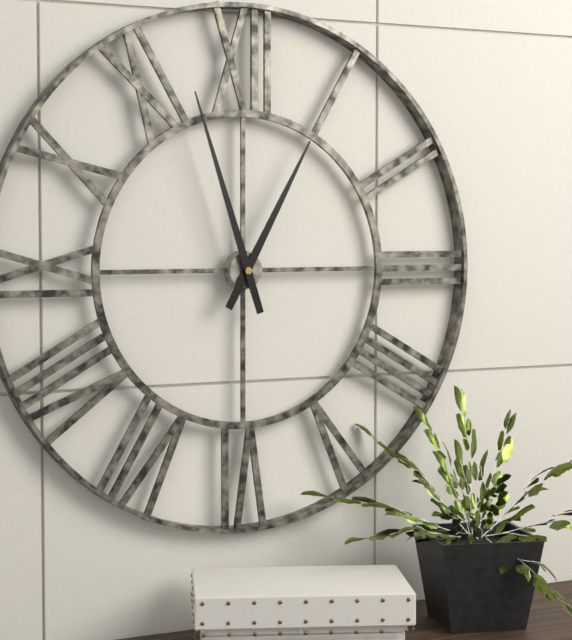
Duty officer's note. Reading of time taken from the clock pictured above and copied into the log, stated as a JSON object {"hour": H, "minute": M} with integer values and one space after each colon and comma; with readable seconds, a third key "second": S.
{"hour": 12, "minute": 57}
